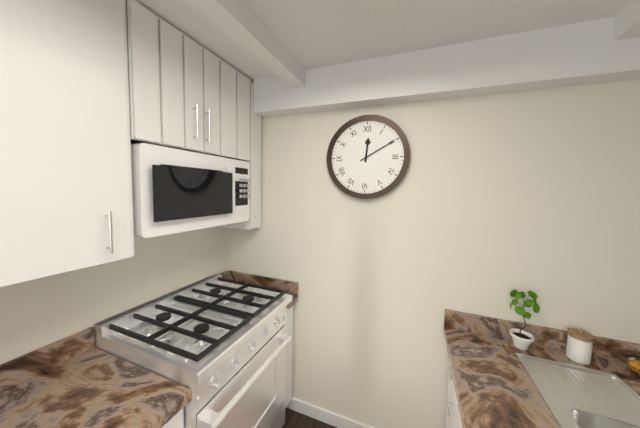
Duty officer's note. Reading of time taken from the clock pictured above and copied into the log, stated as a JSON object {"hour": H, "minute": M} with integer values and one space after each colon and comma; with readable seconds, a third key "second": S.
{"hour": 12, "minute": 10}
